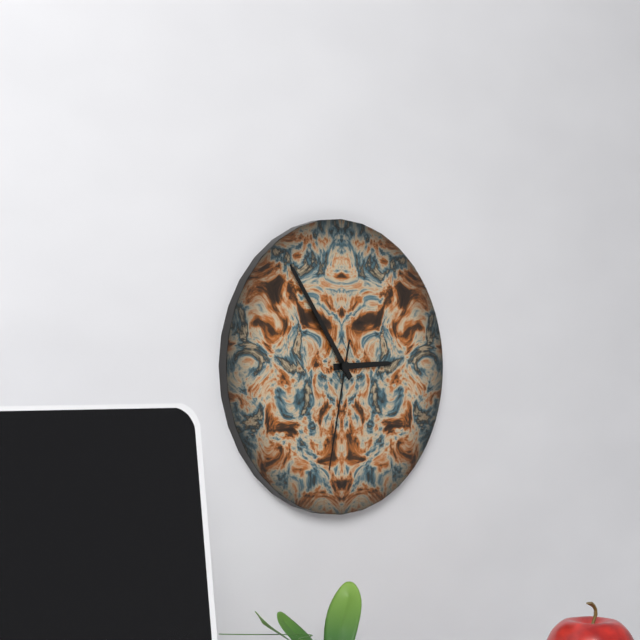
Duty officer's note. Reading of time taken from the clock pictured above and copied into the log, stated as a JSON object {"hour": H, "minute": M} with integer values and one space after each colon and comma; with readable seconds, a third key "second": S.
{"hour": 2, "minute": 54, "second": 32}
